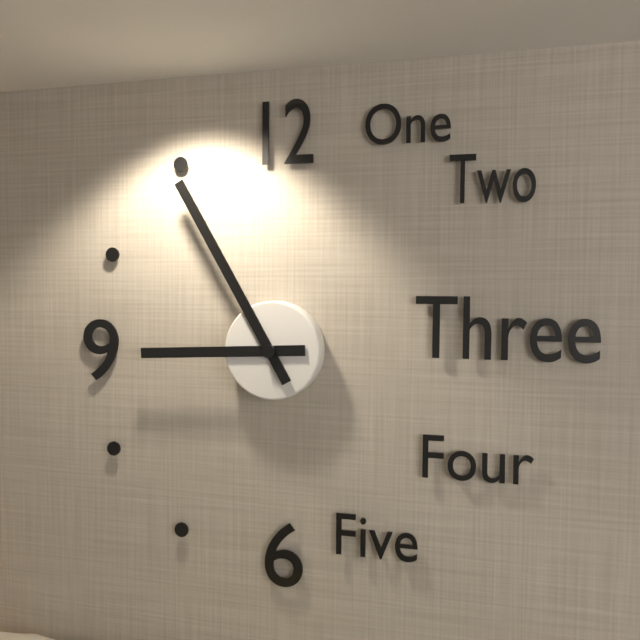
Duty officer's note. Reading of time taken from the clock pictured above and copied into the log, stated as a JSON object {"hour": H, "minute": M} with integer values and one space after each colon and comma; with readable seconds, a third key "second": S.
{"hour": 8, "minute": 55}
